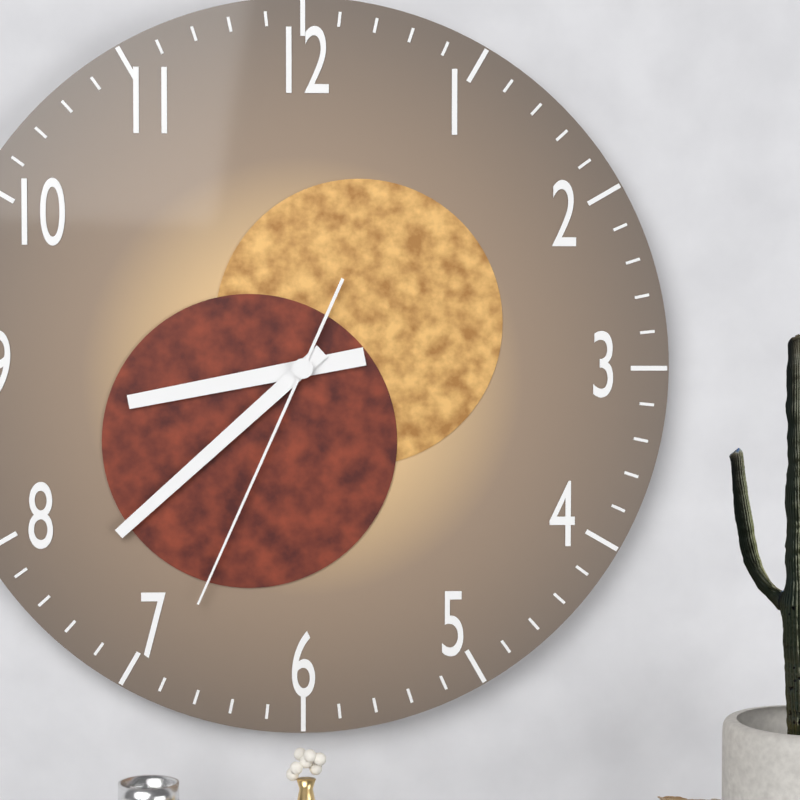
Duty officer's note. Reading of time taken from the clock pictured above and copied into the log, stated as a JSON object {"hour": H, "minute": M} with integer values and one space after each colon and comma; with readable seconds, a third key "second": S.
{"hour": 8, "minute": 38, "second": 34}
